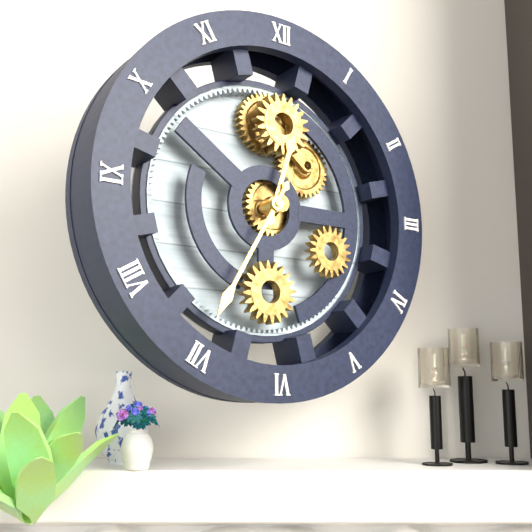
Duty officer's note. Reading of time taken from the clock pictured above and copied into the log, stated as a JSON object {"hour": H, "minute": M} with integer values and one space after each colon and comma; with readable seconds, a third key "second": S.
{"hour": 12, "minute": 35}
